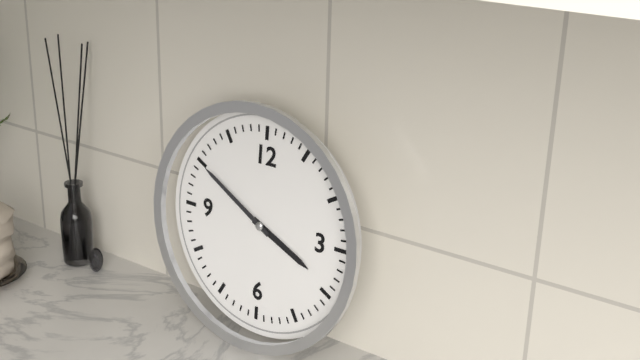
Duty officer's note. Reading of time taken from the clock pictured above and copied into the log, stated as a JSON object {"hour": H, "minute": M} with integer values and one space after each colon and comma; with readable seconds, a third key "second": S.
{"hour": 3, "minute": 50}
